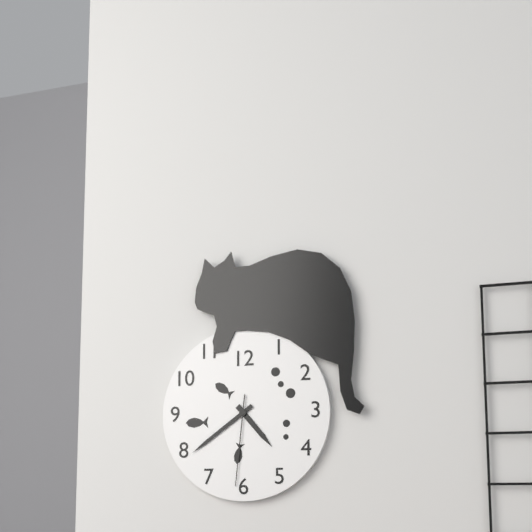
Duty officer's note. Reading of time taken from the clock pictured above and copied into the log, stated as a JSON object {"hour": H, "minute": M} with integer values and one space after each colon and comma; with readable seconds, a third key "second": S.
{"hour": 4, "minute": 39, "second": 31}
